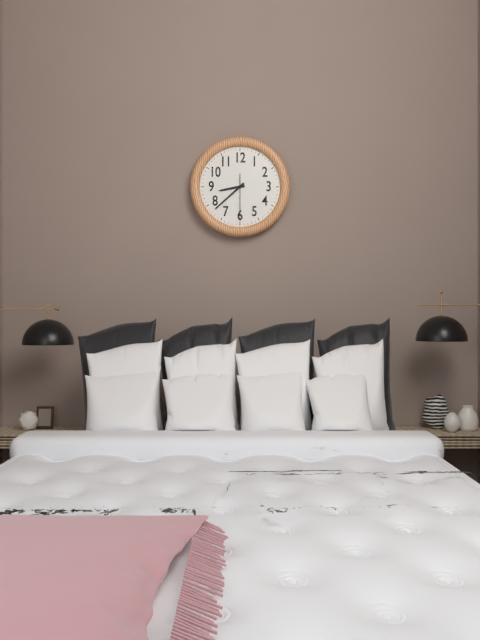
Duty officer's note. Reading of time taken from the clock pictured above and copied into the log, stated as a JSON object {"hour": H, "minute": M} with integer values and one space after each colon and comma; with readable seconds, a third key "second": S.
{"hour": 8, "minute": 38}
